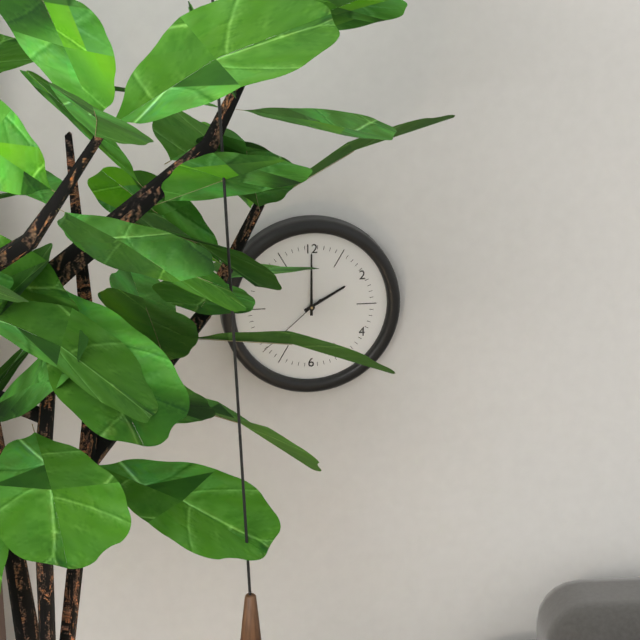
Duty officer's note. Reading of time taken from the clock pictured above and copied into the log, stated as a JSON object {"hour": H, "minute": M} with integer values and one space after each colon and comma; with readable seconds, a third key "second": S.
{"hour": 2, "minute": 0, "second": 38}
